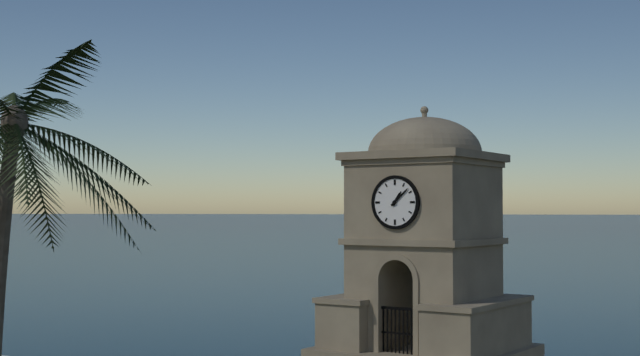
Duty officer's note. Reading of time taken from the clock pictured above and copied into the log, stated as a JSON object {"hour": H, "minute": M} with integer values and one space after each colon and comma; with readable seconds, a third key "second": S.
{"hour": 1, "minute": 8}
